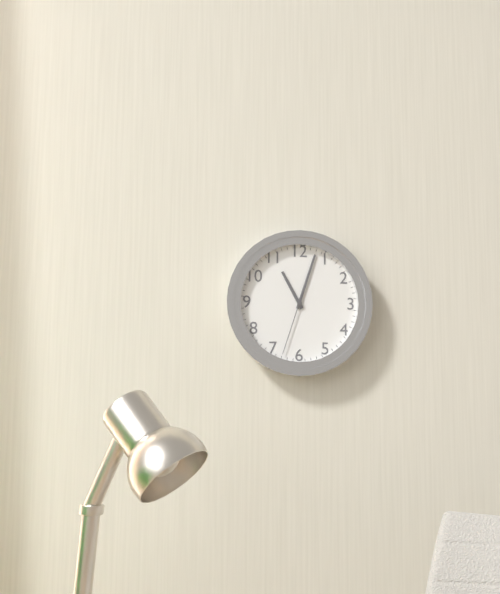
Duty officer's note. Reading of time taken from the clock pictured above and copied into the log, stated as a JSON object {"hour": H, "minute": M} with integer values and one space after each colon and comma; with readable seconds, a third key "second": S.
{"hour": 11, "minute": 3, "second": 33}
